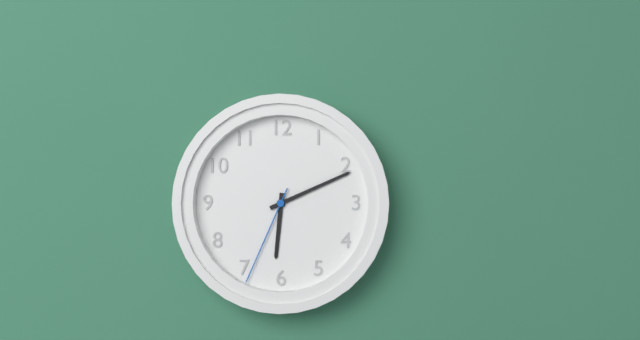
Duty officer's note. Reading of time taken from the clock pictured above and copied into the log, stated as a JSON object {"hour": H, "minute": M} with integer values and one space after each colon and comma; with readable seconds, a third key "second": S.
{"hour": 6, "minute": 11, "second": 34}
